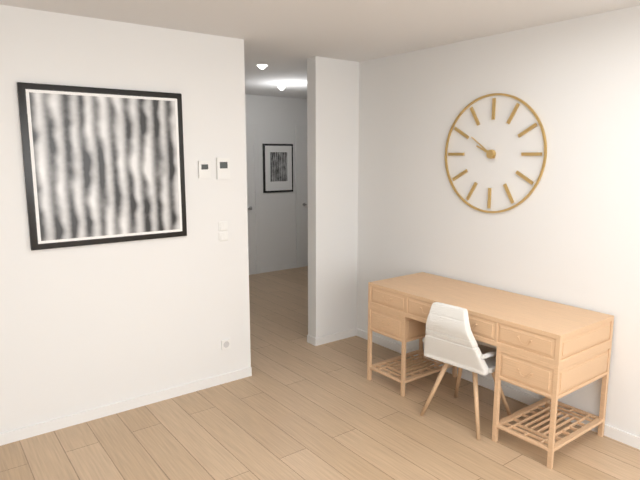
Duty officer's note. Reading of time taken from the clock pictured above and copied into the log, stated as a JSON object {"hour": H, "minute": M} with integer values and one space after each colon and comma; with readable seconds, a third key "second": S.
{"hour": 9, "minute": 51}
